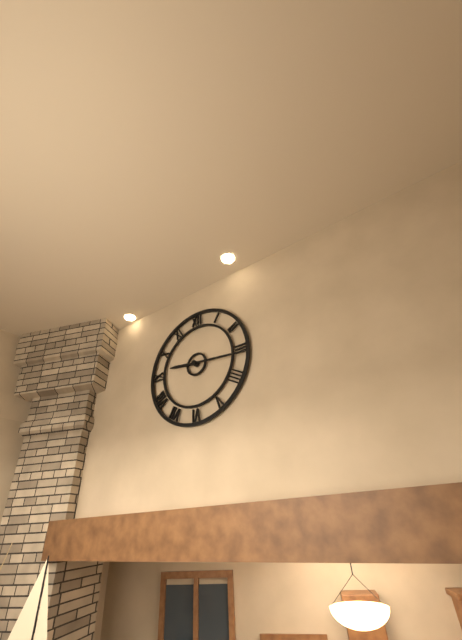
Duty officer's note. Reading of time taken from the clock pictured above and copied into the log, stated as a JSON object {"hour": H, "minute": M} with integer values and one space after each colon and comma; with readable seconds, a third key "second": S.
{"hour": 9, "minute": 16}
